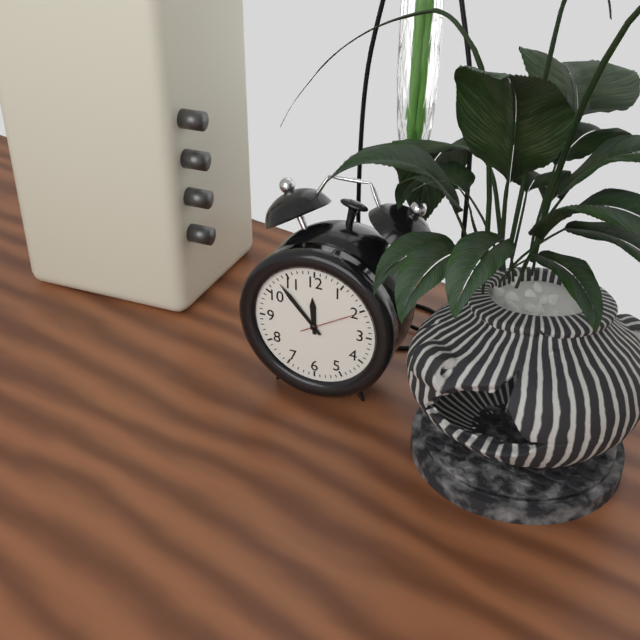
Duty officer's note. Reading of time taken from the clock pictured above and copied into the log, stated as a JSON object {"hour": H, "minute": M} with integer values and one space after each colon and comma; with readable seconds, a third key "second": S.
{"hour": 11, "minute": 53, "second": 10}
